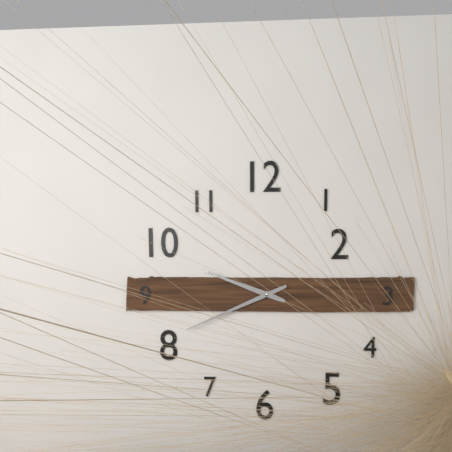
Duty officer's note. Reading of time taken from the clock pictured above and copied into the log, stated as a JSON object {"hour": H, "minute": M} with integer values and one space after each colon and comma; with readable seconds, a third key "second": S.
{"hour": 9, "minute": 41}
